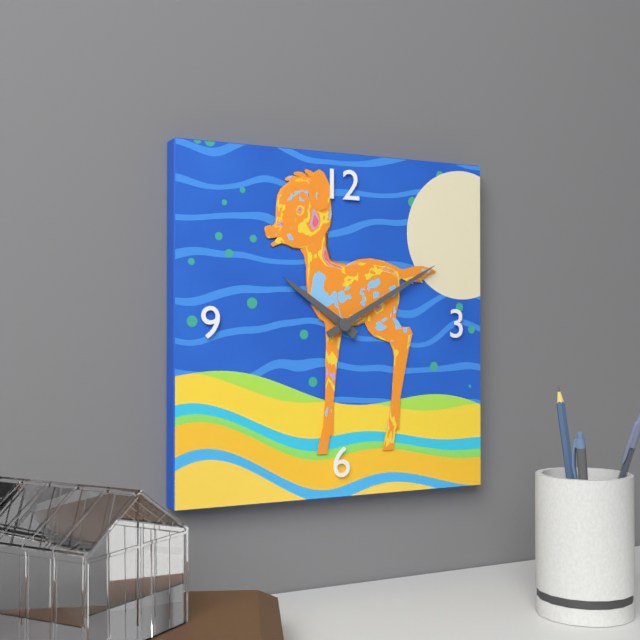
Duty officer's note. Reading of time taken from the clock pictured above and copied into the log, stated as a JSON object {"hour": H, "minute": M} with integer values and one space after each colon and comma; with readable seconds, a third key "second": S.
{"hour": 10, "minute": 10}
